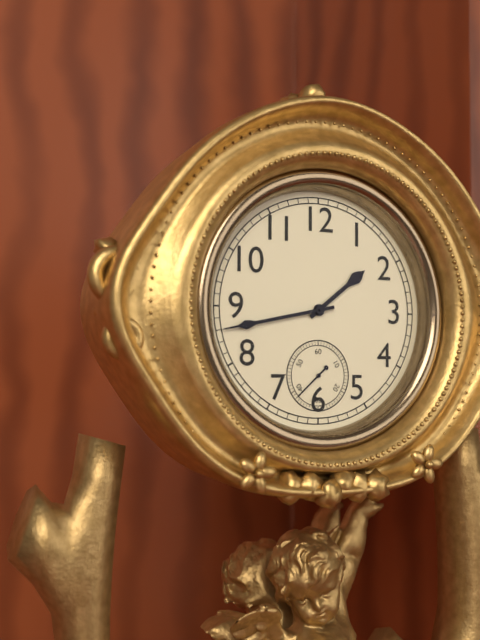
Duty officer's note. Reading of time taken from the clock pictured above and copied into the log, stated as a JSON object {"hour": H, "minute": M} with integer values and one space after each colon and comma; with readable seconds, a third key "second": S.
{"hour": 1, "minute": 43}
